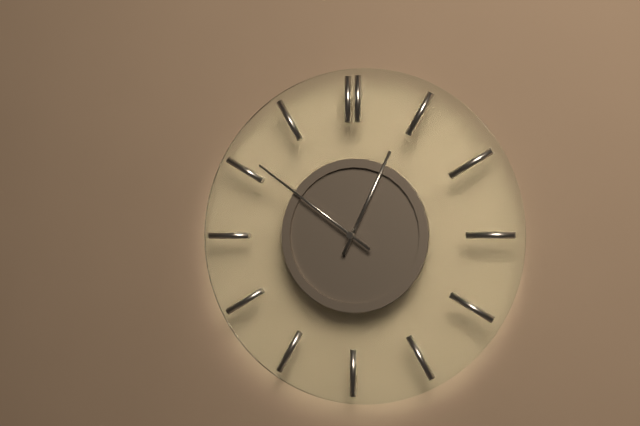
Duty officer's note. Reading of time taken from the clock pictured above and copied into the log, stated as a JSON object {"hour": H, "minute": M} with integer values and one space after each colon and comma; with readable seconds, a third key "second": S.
{"hour": 12, "minute": 51}
